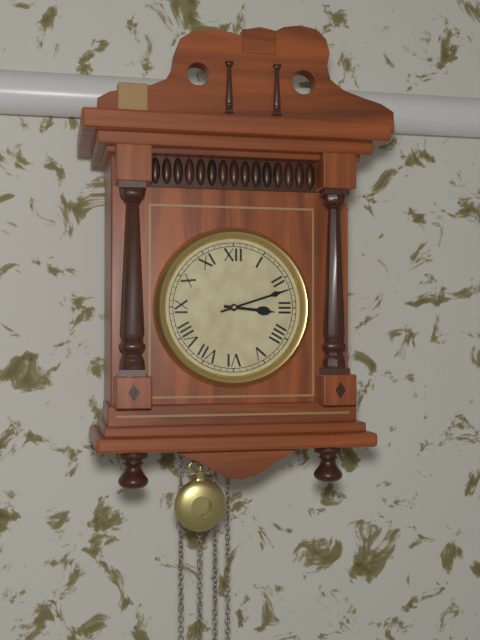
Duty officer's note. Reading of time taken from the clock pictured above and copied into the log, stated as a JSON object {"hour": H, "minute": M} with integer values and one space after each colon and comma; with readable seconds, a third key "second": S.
{"hour": 3, "minute": 12}
